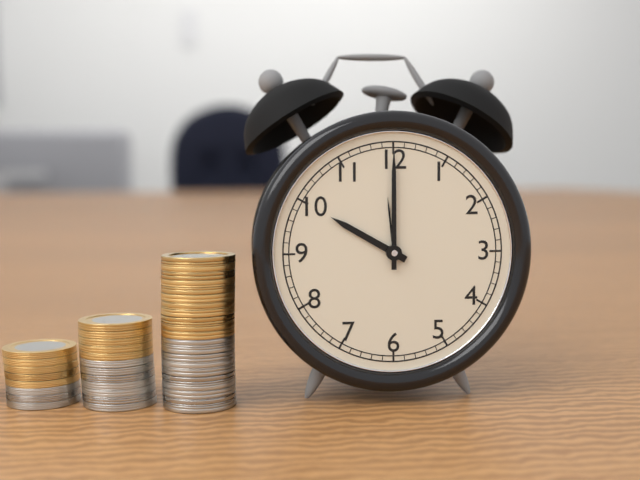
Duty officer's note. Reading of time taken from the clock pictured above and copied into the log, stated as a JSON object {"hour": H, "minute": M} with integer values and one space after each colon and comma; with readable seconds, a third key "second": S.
{"hour": 10, "minute": 0}
